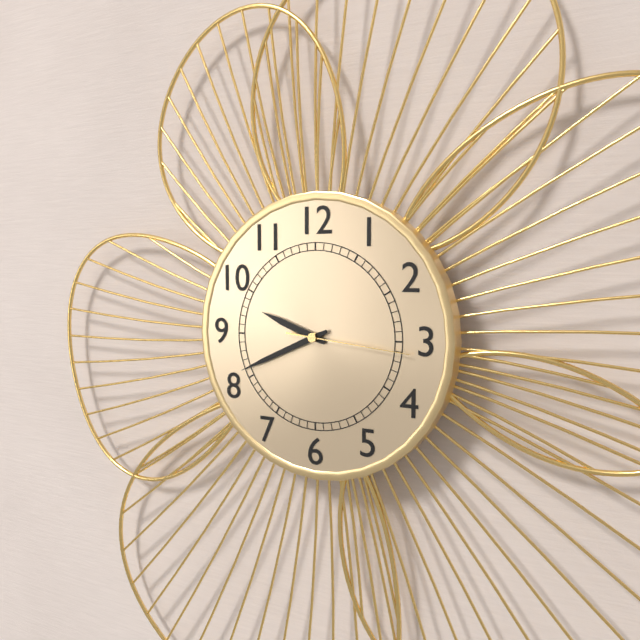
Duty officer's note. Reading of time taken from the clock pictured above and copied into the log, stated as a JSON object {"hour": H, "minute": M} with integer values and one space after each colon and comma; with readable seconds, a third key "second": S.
{"hour": 9, "minute": 41, "second": 16}
